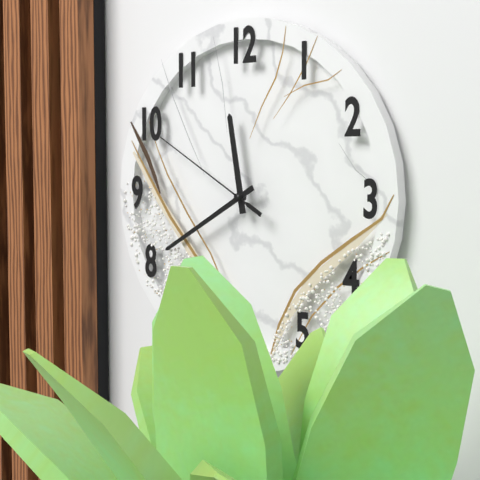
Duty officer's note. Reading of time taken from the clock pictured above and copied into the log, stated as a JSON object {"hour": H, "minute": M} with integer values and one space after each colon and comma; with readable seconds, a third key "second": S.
{"hour": 11, "minute": 40, "second": 50}
